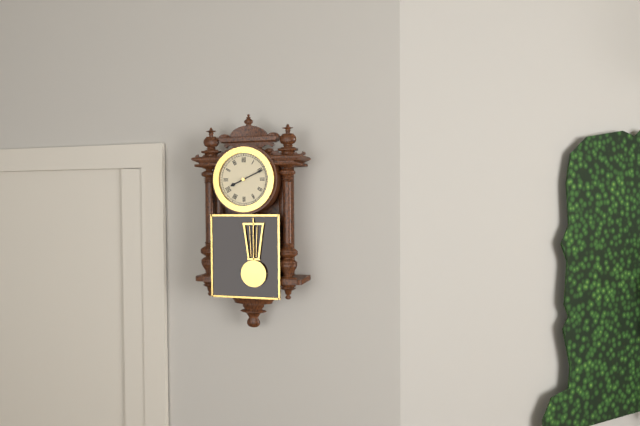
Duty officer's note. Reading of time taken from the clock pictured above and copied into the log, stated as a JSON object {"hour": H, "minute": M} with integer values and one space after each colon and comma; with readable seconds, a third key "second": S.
{"hour": 8, "minute": 11}
